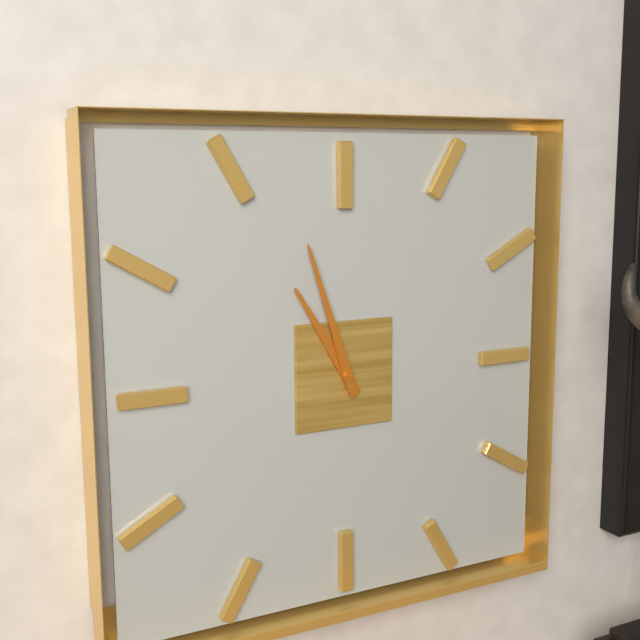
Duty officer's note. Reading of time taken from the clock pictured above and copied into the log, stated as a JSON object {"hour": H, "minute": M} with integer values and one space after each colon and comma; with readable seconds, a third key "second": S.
{"hour": 10, "minute": 57}
